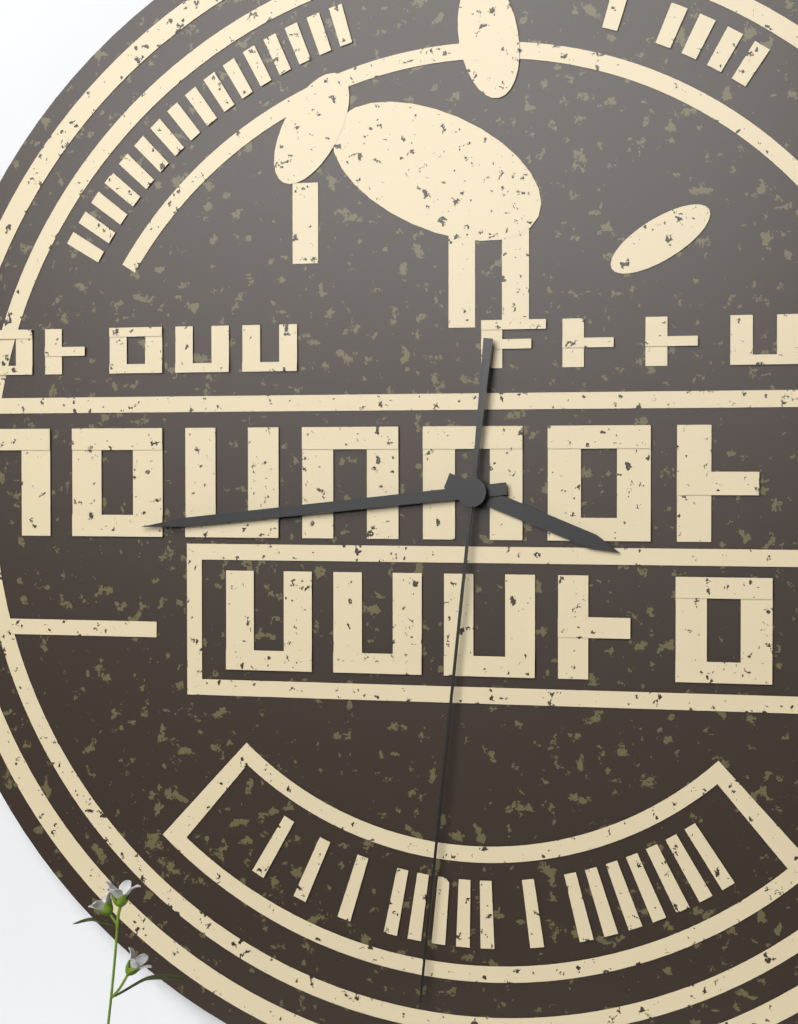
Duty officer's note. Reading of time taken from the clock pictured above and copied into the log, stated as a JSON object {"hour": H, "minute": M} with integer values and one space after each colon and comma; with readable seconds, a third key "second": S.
{"hour": 3, "minute": 44, "second": 31}
